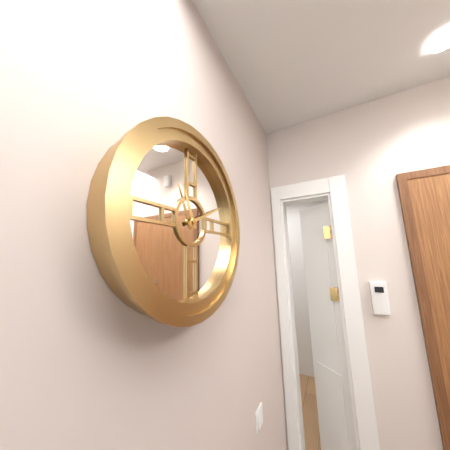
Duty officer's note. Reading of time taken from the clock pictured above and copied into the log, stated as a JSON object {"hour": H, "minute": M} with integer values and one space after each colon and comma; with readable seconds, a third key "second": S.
{"hour": 11, "minute": 11}
